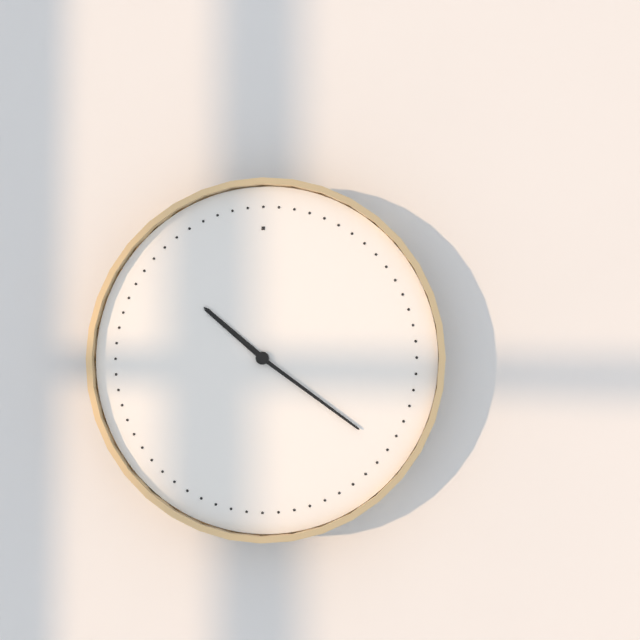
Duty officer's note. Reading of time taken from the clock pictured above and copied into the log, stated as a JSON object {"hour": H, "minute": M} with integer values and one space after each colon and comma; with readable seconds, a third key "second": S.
{"hour": 10, "minute": 21}
